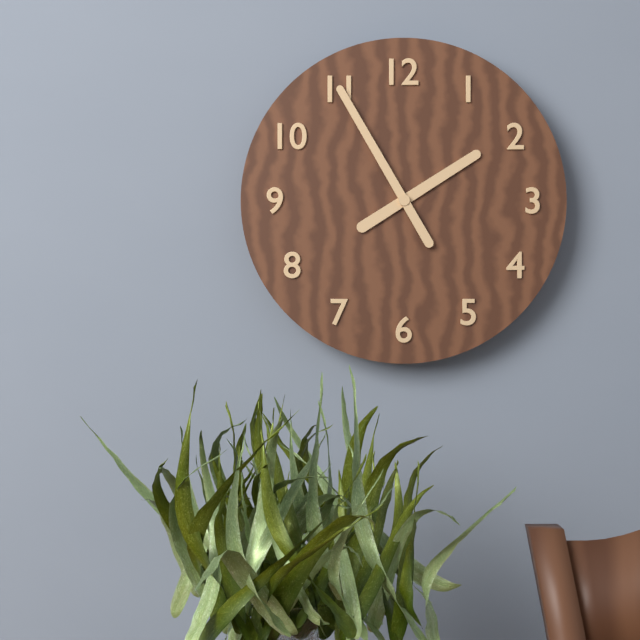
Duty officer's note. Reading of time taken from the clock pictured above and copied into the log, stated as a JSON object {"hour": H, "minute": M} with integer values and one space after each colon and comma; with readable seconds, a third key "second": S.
{"hour": 1, "minute": 55}
